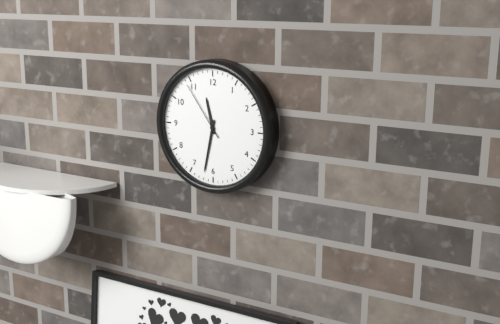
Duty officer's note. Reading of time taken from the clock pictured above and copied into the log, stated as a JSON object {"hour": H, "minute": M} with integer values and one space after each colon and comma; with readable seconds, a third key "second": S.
{"hour": 11, "minute": 32, "second": 54}
